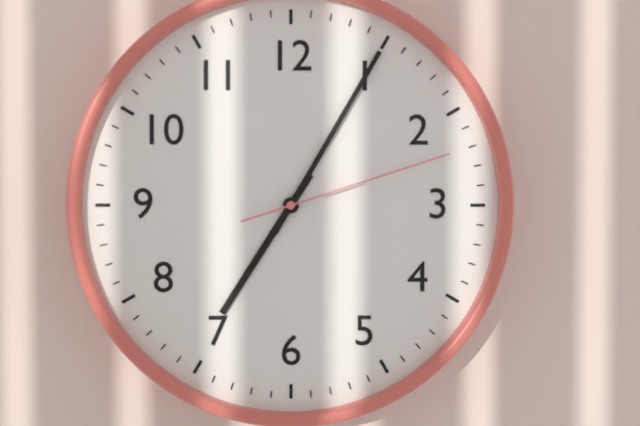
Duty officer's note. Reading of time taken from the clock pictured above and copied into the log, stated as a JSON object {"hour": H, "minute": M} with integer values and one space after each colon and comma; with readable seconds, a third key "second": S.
{"hour": 7, "minute": 5, "second": 12}
